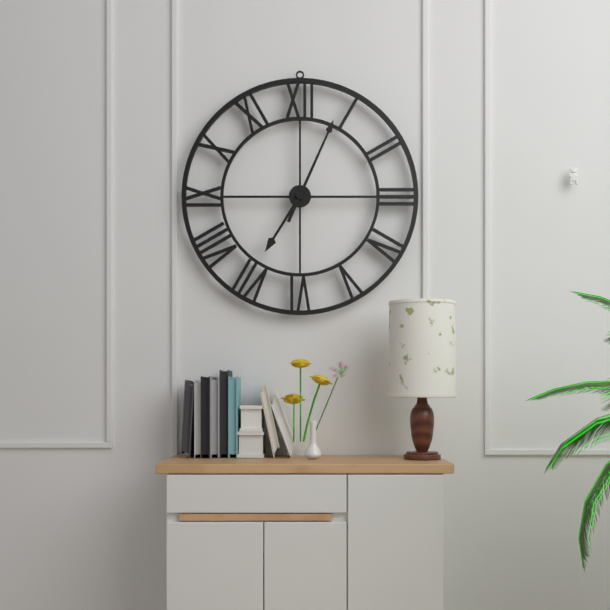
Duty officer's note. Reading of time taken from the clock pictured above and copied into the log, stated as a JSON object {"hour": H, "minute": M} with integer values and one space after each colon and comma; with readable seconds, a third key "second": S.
{"hour": 7, "minute": 4}
